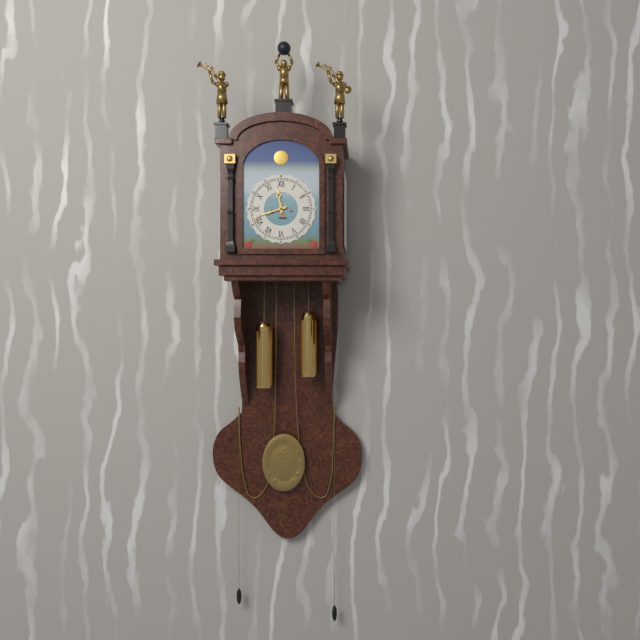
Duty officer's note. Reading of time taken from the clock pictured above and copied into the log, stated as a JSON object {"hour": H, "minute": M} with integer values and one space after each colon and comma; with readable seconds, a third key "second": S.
{"hour": 11, "minute": 42}
